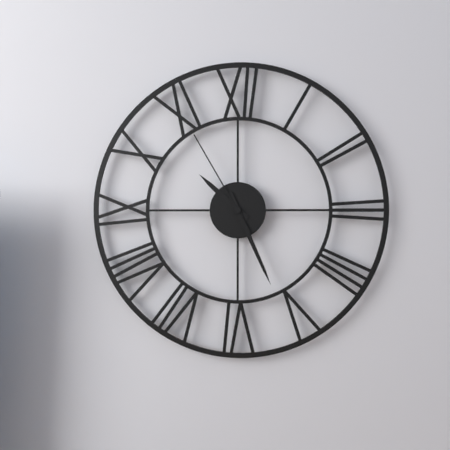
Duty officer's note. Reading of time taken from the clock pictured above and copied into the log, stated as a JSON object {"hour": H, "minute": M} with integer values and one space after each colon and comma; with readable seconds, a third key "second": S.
{"hour": 10, "minute": 26, "second": 55}
